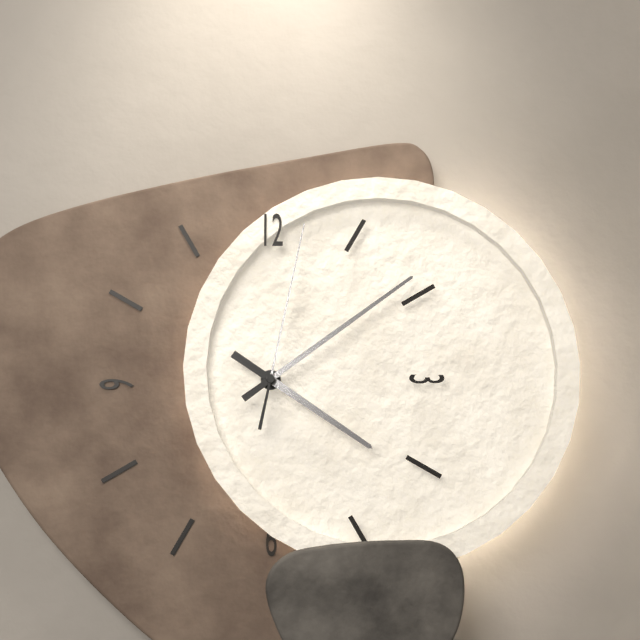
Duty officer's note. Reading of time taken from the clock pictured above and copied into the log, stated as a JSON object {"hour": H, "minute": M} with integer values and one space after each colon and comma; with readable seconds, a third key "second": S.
{"hour": 4, "minute": 9, "second": 2}
